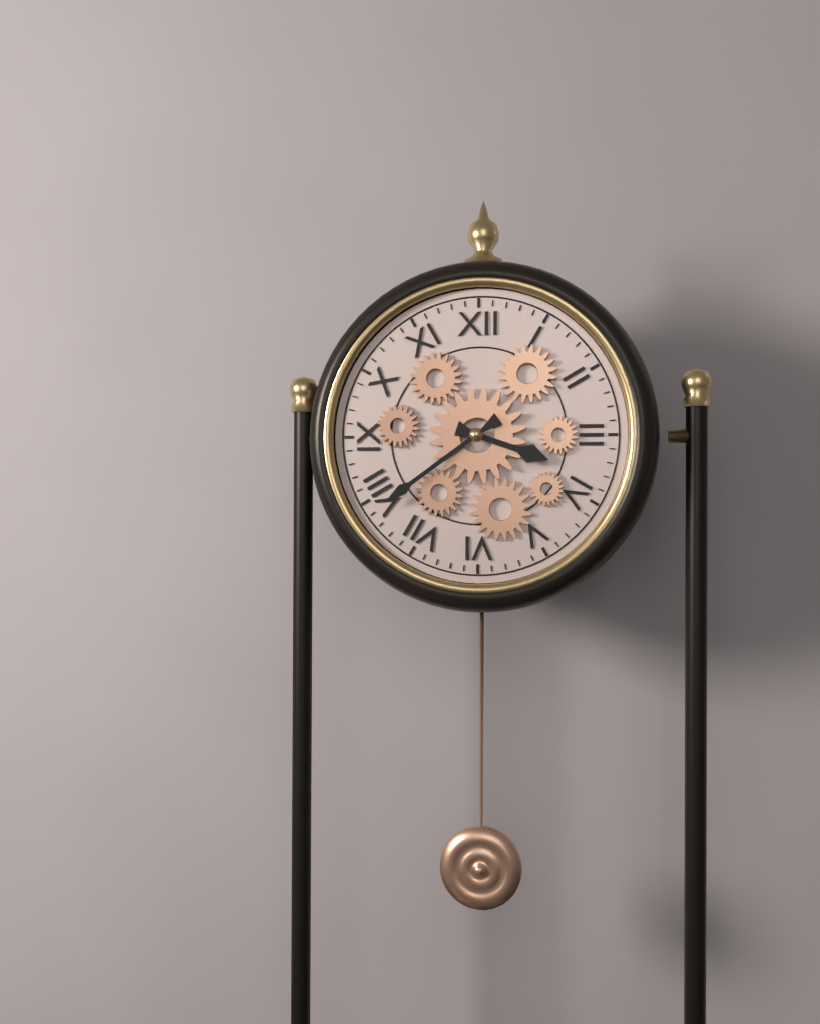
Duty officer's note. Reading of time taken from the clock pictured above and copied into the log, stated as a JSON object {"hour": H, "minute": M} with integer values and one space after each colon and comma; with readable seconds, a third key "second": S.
{"hour": 3, "minute": 39}
